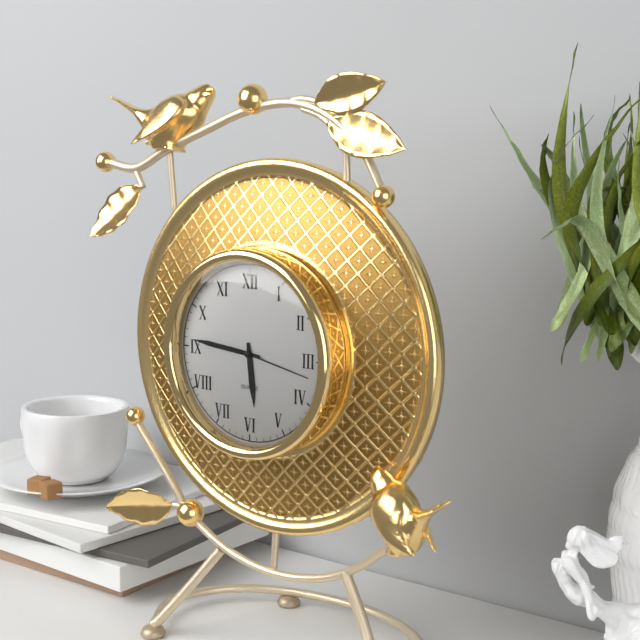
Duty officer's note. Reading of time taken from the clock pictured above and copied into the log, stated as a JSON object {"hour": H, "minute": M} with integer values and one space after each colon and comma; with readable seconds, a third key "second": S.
{"hour": 5, "minute": 46, "second": 17}
